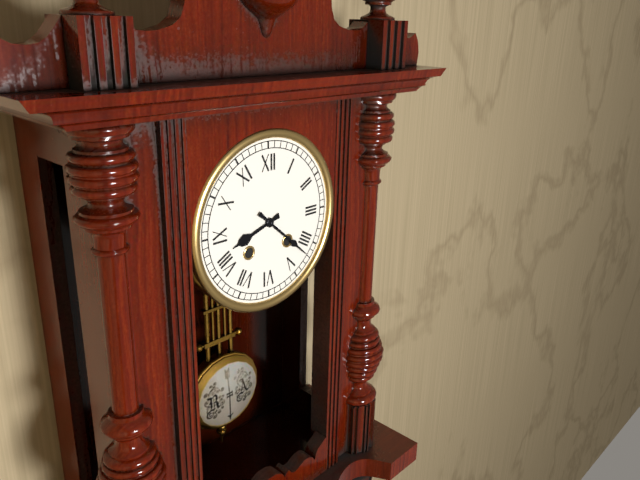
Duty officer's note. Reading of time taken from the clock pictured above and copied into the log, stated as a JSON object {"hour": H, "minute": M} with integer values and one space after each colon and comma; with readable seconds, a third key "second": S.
{"hour": 8, "minute": 22}
